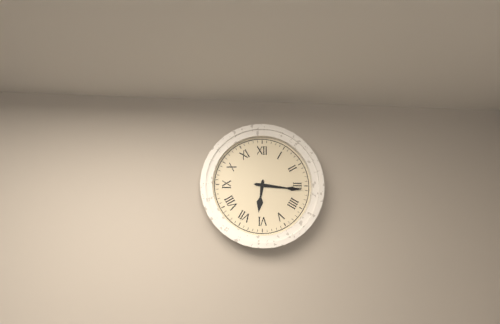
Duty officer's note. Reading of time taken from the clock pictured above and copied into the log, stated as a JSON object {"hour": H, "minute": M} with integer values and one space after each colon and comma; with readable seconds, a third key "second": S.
{"hour": 6, "minute": 16}
